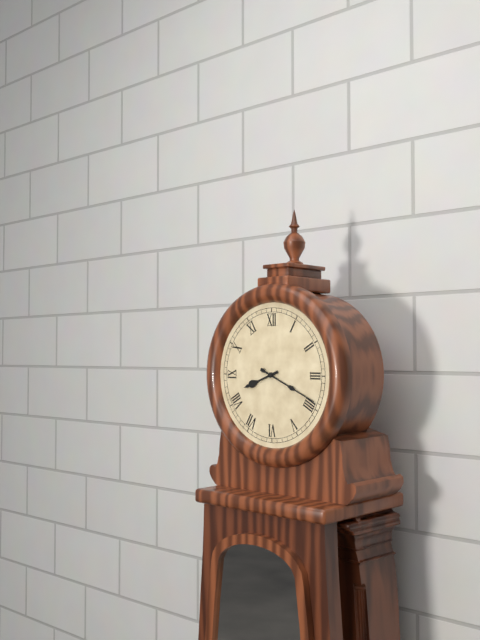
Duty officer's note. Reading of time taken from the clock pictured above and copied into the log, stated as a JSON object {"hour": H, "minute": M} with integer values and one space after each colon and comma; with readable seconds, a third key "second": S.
{"hour": 8, "minute": 19}
